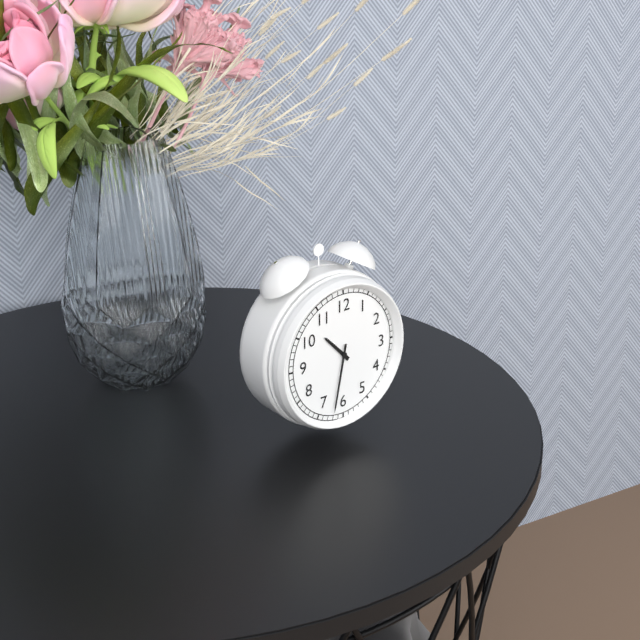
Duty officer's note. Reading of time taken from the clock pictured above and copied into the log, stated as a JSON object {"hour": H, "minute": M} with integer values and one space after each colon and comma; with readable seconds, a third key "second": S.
{"hour": 10, "minute": 32}
